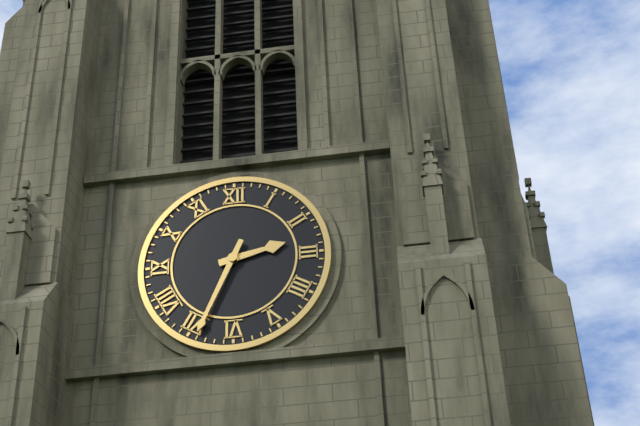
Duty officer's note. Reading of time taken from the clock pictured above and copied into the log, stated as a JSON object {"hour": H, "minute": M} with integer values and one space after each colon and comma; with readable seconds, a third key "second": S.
{"hour": 2, "minute": 34}
